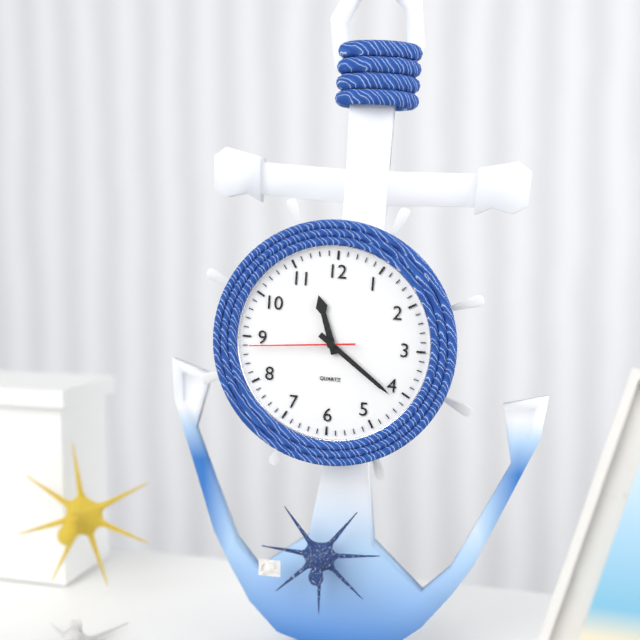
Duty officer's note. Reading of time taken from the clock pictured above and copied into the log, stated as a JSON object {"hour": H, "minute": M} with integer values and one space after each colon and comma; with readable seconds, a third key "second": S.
{"hour": 11, "minute": 21, "second": 44}
